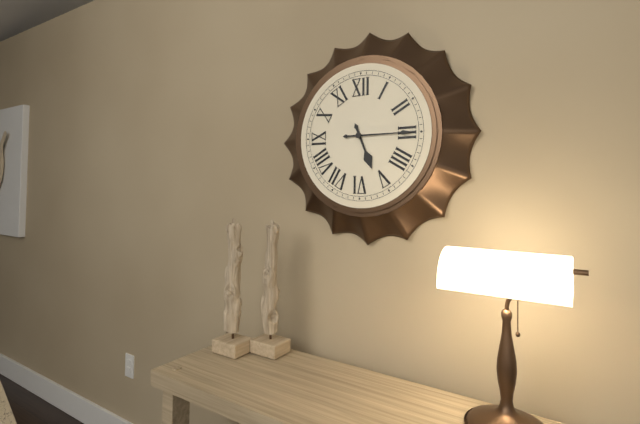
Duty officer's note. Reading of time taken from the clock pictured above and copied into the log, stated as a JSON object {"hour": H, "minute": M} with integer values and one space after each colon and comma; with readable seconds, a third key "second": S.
{"hour": 5, "minute": 15}
